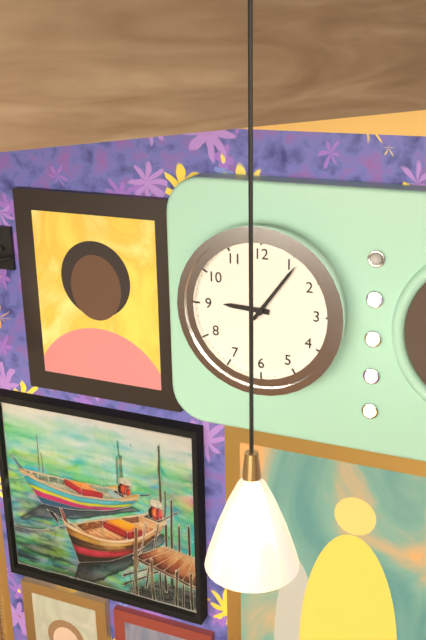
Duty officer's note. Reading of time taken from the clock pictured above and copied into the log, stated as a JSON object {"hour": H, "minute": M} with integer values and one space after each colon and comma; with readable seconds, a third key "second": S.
{"hour": 9, "minute": 6}
